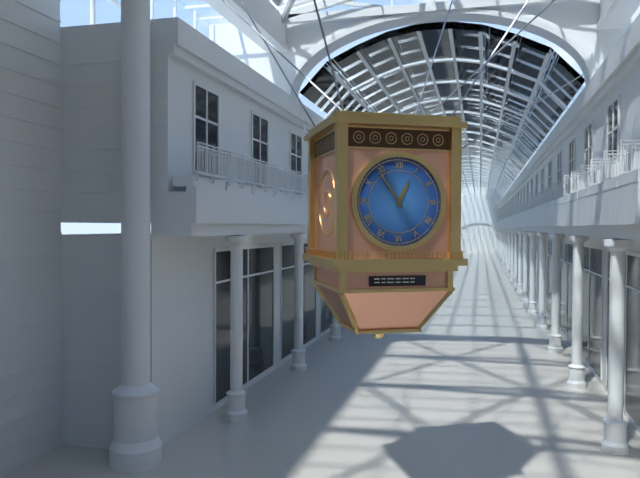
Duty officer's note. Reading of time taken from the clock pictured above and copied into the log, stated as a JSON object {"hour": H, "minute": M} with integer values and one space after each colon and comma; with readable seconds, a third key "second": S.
{"hour": 12, "minute": 54}
